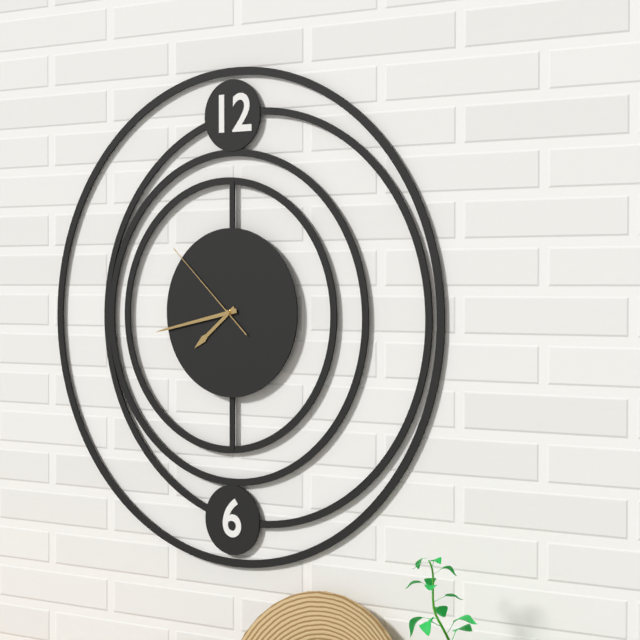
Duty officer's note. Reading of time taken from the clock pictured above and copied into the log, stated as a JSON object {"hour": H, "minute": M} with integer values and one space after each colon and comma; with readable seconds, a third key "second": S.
{"hour": 7, "minute": 43, "second": 52}
